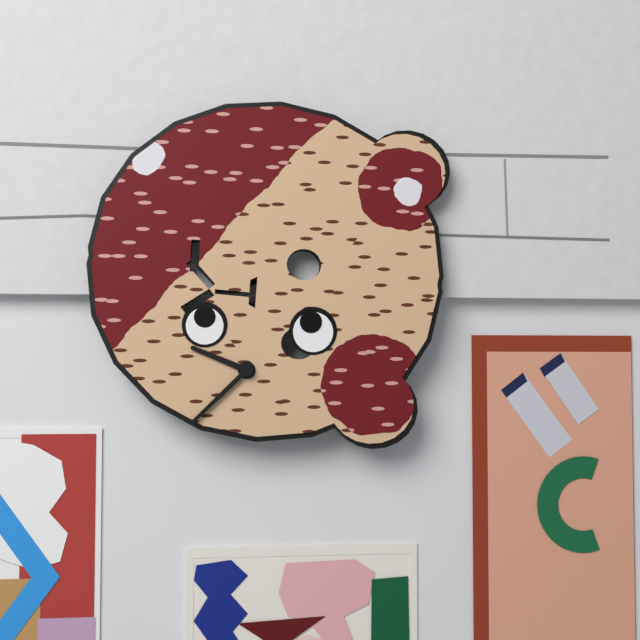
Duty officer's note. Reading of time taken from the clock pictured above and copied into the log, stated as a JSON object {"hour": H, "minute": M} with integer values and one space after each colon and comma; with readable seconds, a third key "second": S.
{"hour": 9, "minute": 37}
